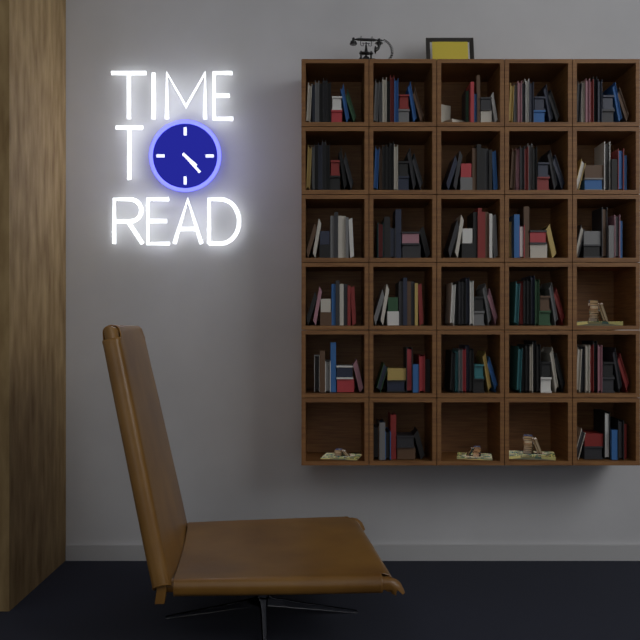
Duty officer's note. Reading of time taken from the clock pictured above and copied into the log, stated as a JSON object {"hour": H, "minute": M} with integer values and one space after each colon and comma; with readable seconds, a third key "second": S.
{"hour": 4, "minute": 23}
